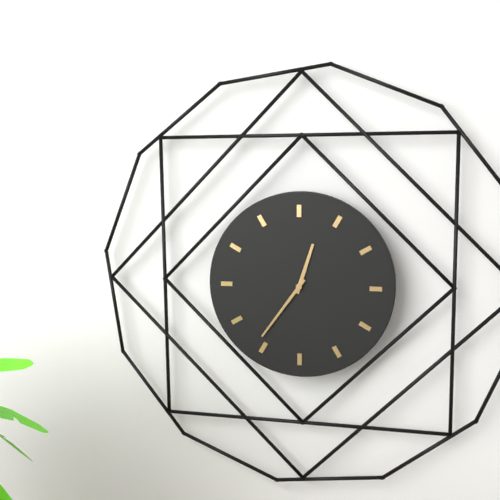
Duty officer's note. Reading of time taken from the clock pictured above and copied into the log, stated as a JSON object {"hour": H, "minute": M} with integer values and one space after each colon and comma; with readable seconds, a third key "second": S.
{"hour": 12, "minute": 36}
